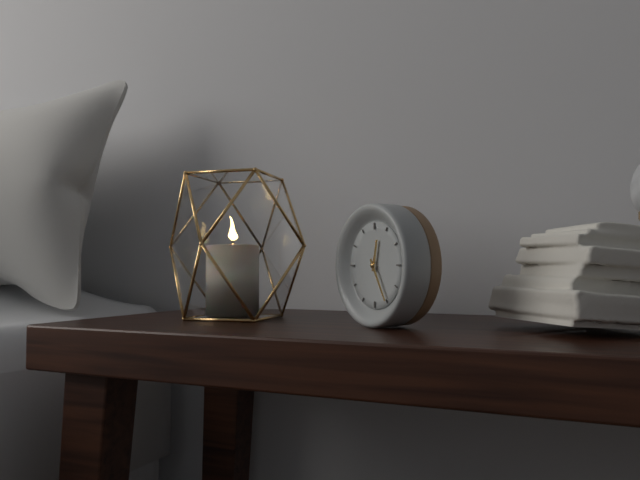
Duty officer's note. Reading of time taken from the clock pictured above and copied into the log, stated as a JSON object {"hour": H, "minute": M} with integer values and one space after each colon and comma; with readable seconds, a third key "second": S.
{"hour": 12, "minute": 25}
